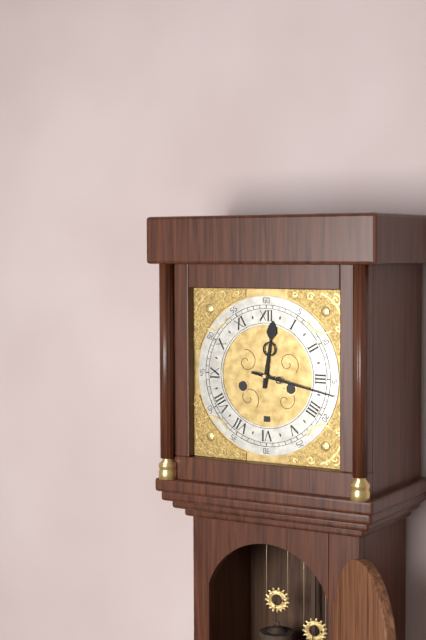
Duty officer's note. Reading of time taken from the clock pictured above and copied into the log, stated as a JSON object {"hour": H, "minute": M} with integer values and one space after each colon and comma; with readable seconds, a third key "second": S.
{"hour": 12, "minute": 17}
